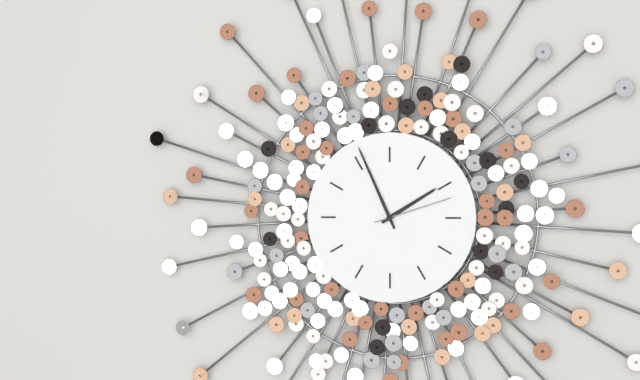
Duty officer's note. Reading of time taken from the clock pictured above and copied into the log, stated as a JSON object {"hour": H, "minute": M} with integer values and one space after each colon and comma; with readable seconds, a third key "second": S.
{"hour": 1, "minute": 56, "second": 12}
